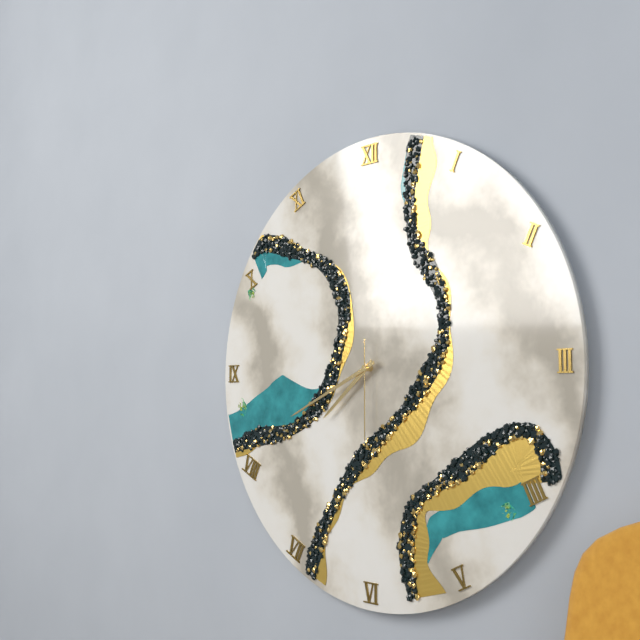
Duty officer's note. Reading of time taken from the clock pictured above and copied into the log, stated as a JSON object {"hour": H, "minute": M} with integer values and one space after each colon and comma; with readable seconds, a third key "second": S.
{"hour": 7, "minute": 41, "second": 30}
